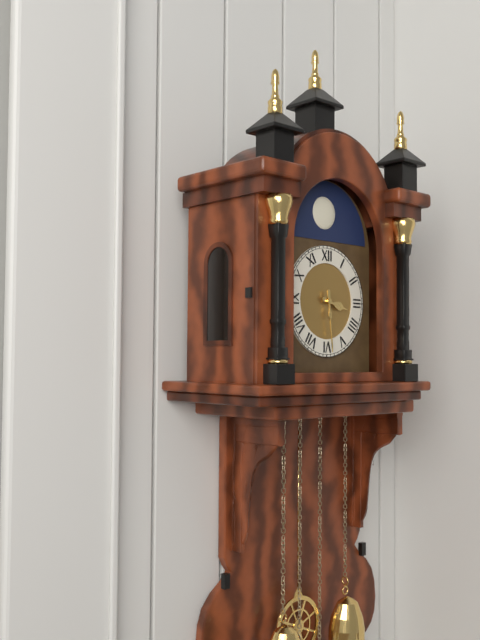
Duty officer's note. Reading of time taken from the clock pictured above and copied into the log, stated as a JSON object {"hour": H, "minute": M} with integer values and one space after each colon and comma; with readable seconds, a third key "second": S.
{"hour": 3, "minute": 29}
